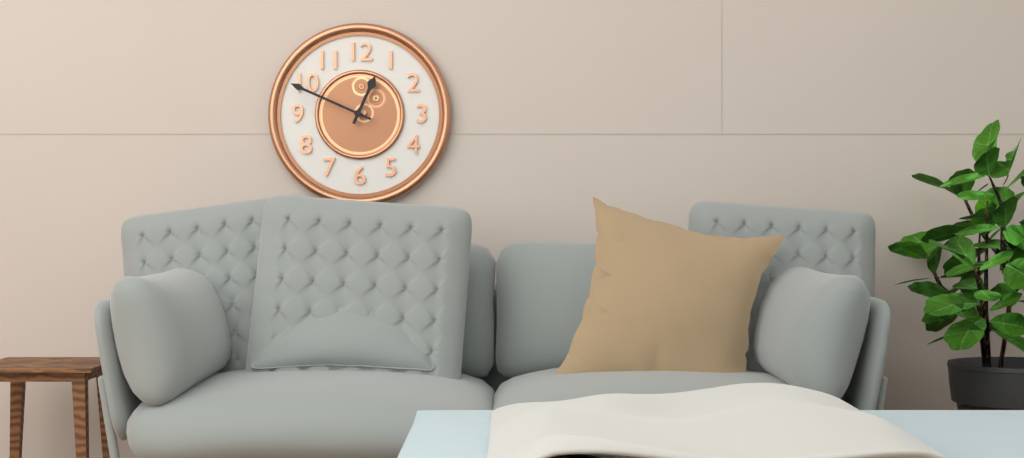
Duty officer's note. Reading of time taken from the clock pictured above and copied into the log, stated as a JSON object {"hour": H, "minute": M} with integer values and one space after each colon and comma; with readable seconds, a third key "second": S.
{"hour": 12, "minute": 49}
